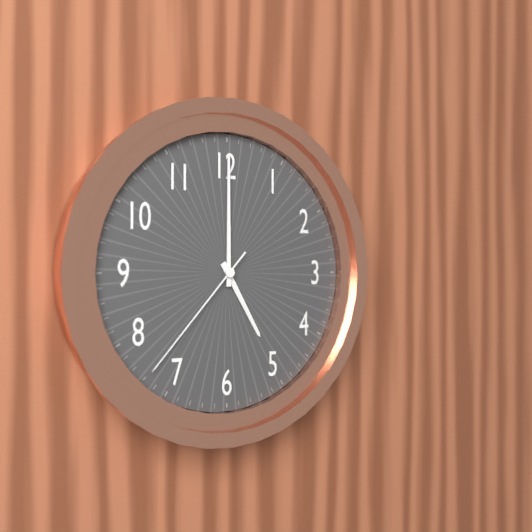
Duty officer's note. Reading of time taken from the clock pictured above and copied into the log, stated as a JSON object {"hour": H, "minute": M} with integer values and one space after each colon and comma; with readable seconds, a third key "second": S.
{"hour": 5, "minute": 0, "second": 37}
